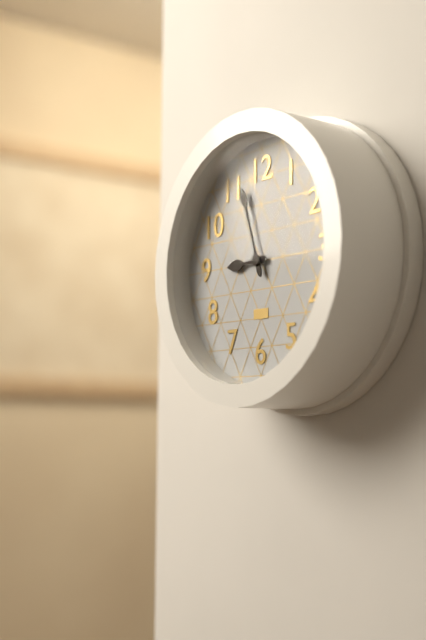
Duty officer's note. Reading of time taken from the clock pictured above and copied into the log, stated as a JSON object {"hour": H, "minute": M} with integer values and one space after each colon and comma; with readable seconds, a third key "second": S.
{"hour": 8, "minute": 57}
